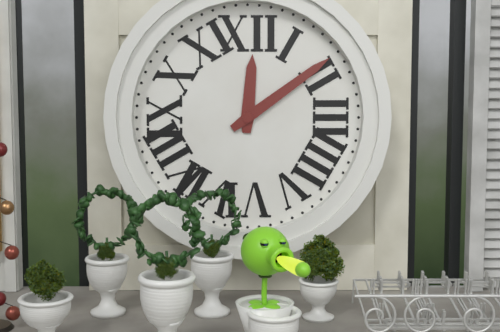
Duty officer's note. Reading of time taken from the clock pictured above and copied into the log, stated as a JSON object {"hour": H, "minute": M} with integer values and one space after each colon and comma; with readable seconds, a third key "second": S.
{"hour": 12, "minute": 9}
